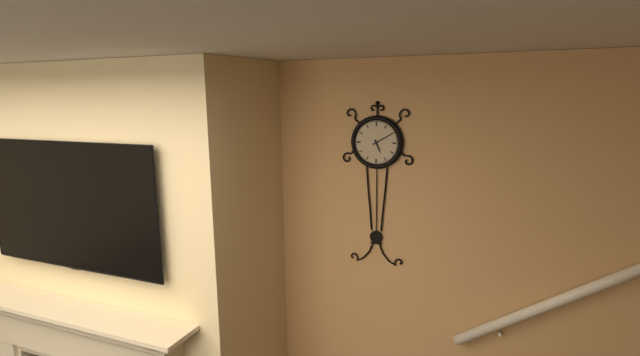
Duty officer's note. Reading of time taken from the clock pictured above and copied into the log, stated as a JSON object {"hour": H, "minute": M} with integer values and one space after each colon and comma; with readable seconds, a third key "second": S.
{"hour": 5, "minute": 10}
